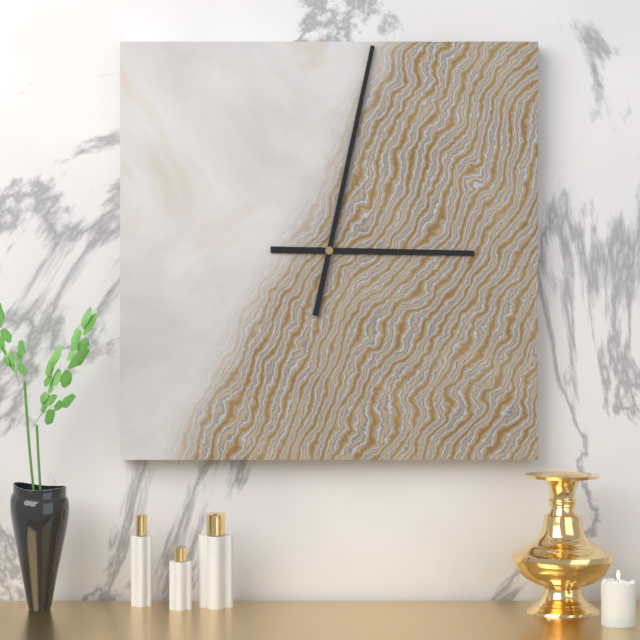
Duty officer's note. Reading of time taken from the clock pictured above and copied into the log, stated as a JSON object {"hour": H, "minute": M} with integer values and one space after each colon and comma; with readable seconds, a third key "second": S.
{"hour": 3, "minute": 2}
